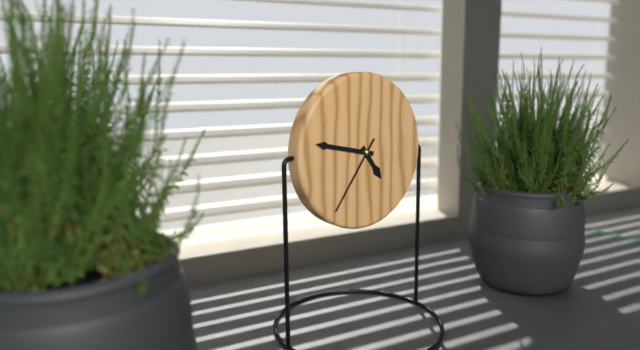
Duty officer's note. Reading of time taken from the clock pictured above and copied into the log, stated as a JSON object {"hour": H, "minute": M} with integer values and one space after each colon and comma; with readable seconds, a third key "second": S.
{"hour": 4, "minute": 47, "second": 36}
